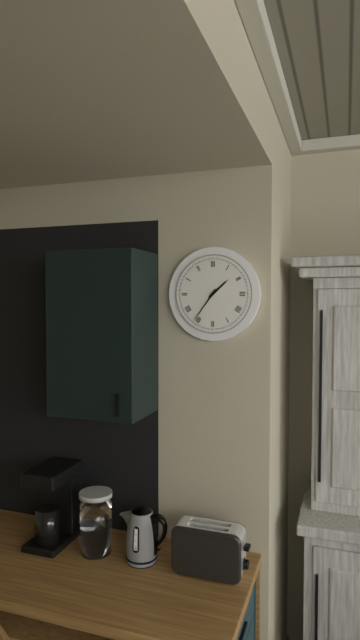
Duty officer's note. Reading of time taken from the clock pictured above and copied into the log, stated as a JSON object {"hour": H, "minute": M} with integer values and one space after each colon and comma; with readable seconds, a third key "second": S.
{"hour": 1, "minute": 36}
